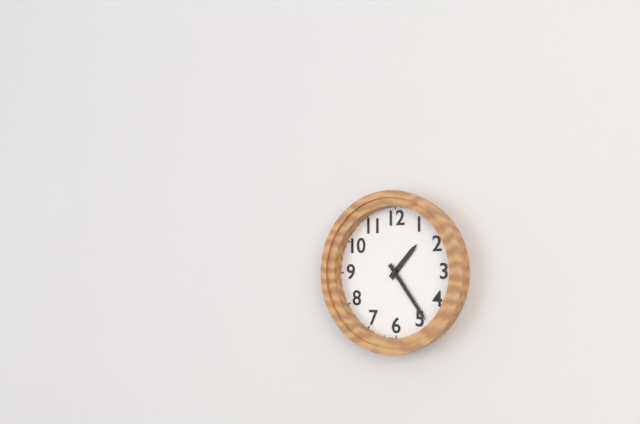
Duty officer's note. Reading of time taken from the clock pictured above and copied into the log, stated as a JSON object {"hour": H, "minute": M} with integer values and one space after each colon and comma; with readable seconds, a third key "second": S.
{"hour": 1, "minute": 24}
